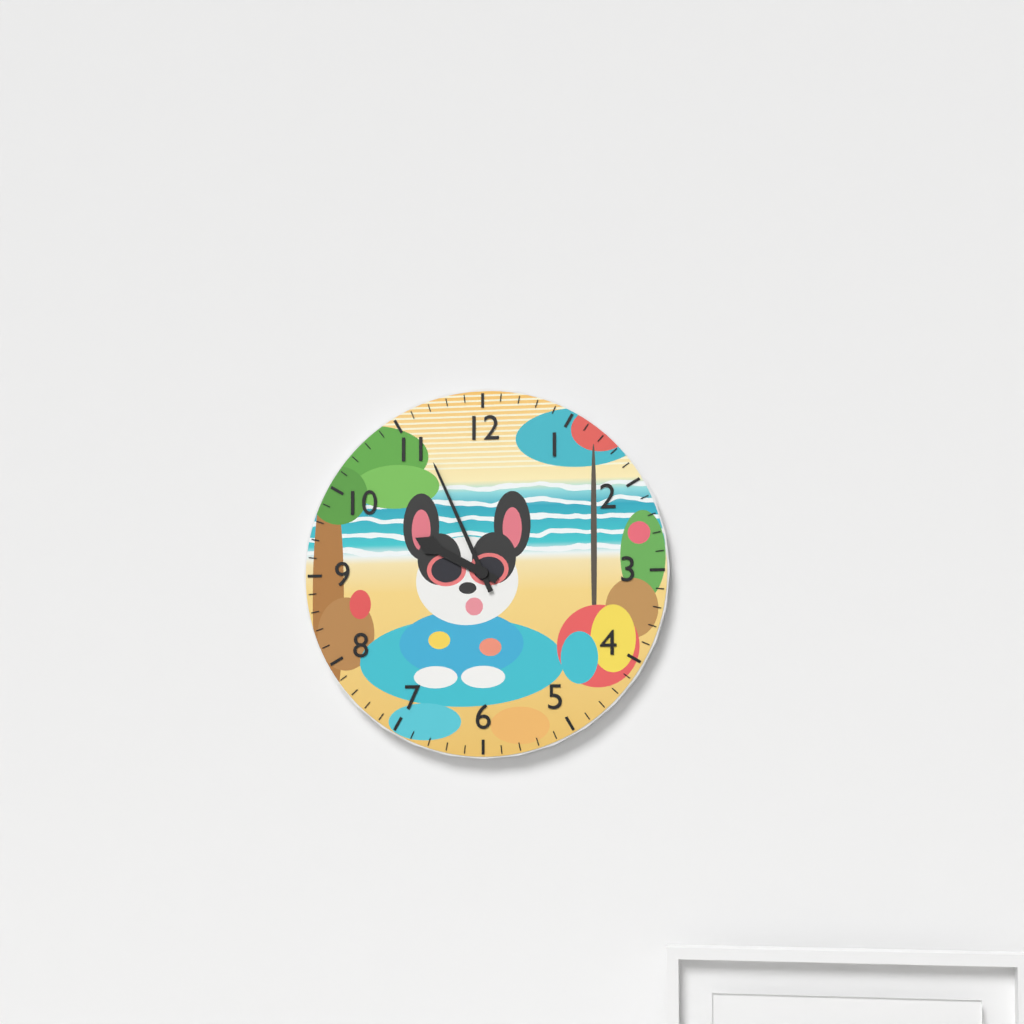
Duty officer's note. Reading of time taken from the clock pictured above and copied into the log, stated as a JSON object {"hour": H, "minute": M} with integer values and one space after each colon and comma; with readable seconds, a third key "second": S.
{"hour": 9, "minute": 56}
